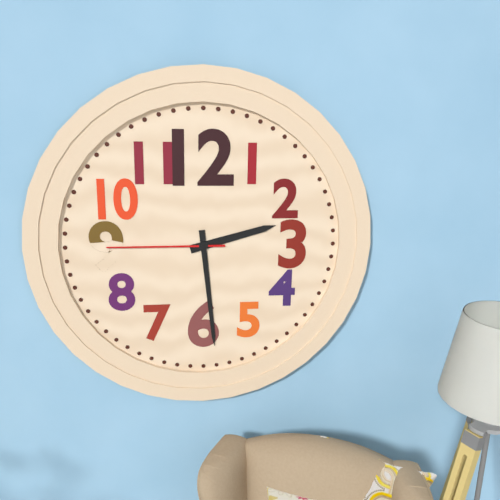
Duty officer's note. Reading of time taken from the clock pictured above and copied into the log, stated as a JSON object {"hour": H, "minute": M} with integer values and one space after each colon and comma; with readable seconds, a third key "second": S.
{"hour": 2, "minute": 29, "second": 45}
